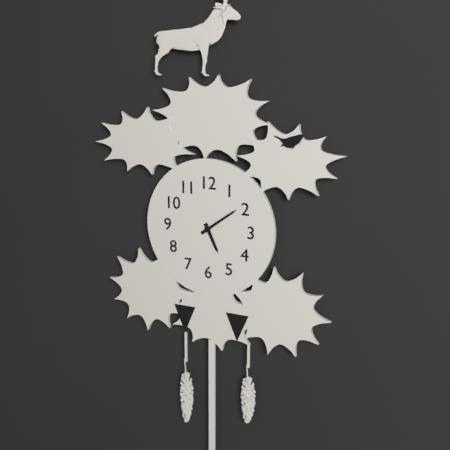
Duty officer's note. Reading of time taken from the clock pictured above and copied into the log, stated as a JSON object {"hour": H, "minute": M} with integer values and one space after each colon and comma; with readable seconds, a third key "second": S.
{"hour": 5, "minute": 9}
